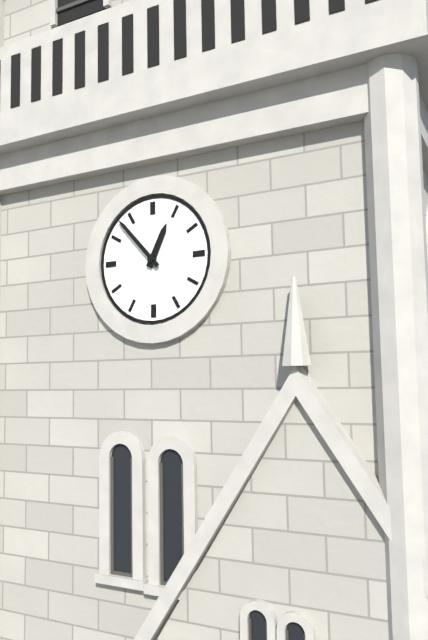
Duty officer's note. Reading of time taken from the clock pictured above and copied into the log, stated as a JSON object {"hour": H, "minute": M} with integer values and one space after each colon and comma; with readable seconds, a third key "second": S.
{"hour": 12, "minute": 53}
